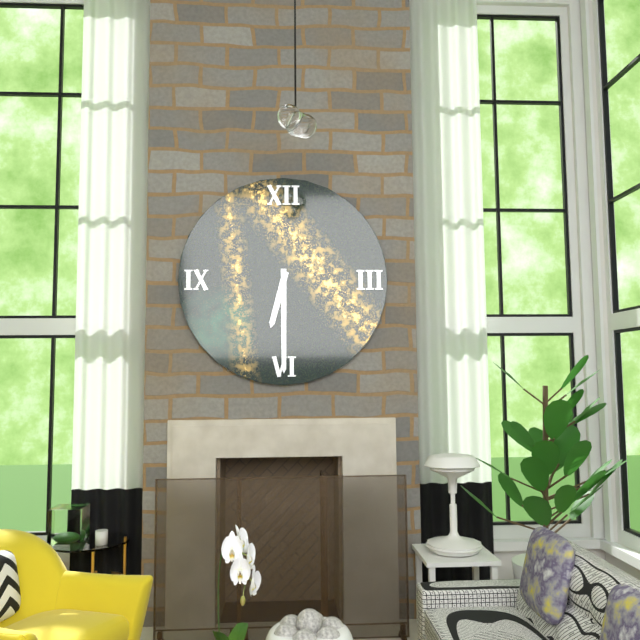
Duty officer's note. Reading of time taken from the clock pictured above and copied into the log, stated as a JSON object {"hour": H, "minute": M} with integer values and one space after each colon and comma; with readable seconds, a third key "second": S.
{"hour": 6, "minute": 30}
